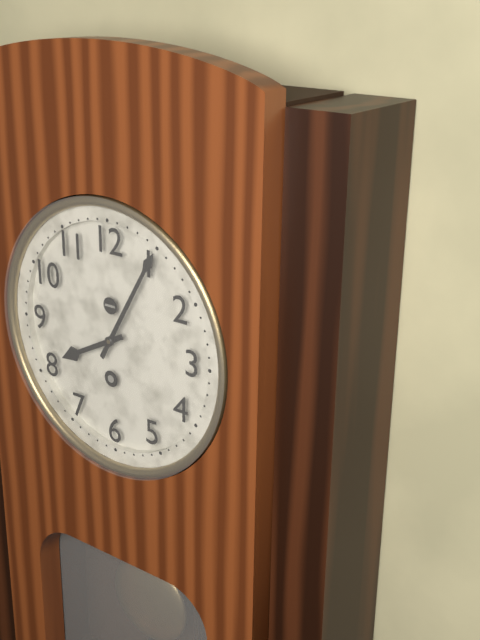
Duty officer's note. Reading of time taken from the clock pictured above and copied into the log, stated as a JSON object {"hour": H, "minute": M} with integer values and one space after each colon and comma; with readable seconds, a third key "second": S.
{"hour": 8, "minute": 5}
